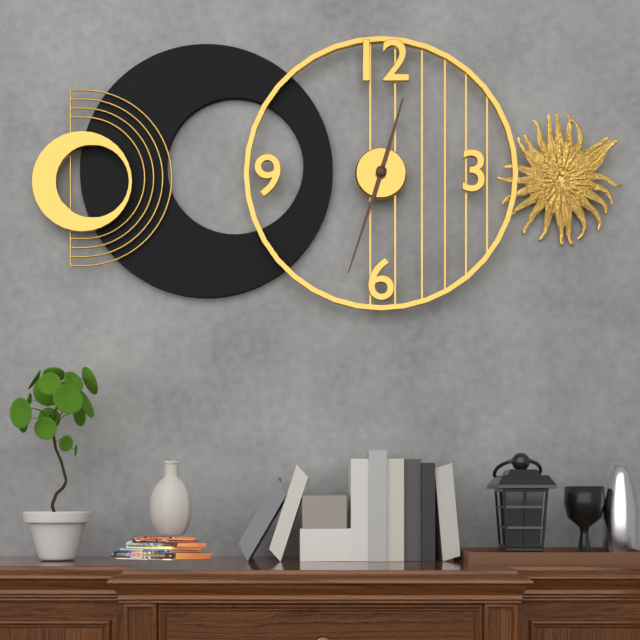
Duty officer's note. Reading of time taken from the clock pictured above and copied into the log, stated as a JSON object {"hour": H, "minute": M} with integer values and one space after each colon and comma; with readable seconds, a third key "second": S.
{"hour": 12, "minute": 33}
